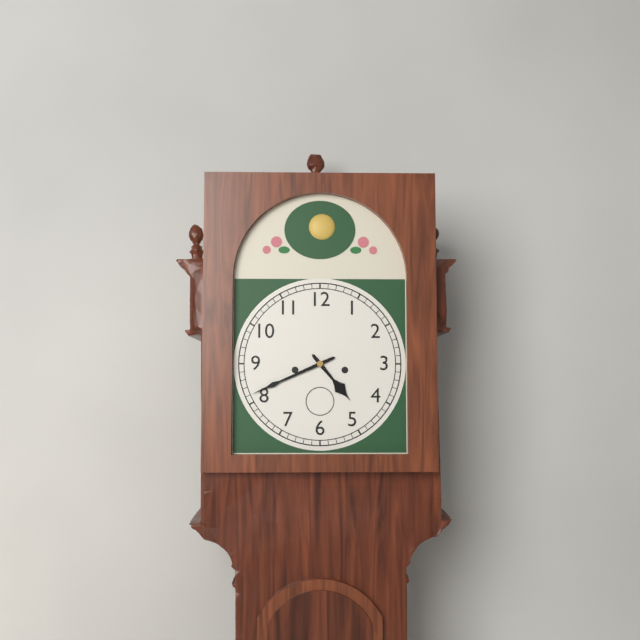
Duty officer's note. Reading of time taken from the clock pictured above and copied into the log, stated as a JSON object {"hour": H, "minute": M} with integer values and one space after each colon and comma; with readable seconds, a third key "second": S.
{"hour": 4, "minute": 41}
